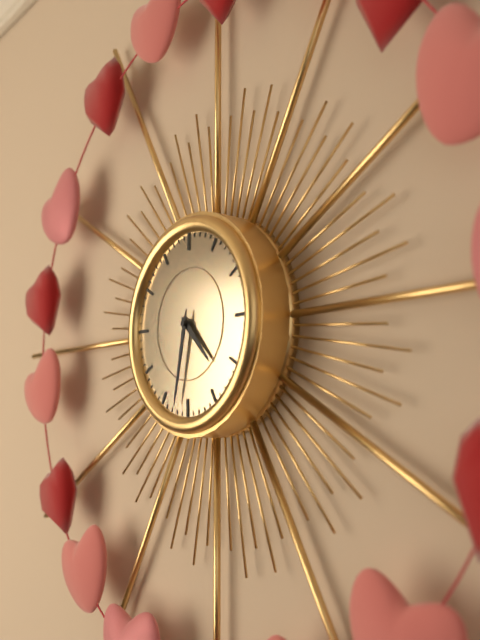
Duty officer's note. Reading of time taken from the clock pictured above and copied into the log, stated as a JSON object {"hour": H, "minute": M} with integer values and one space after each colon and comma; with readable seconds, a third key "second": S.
{"hour": 4, "minute": 32}
